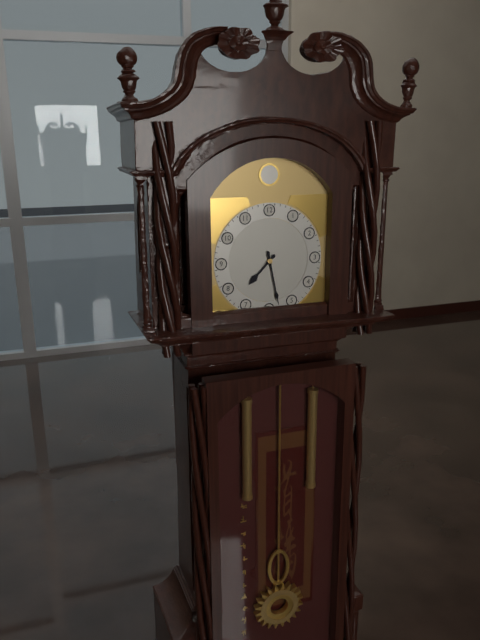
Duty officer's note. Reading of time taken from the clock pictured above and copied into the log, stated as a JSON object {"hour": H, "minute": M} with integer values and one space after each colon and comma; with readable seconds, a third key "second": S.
{"hour": 7, "minute": 28}
